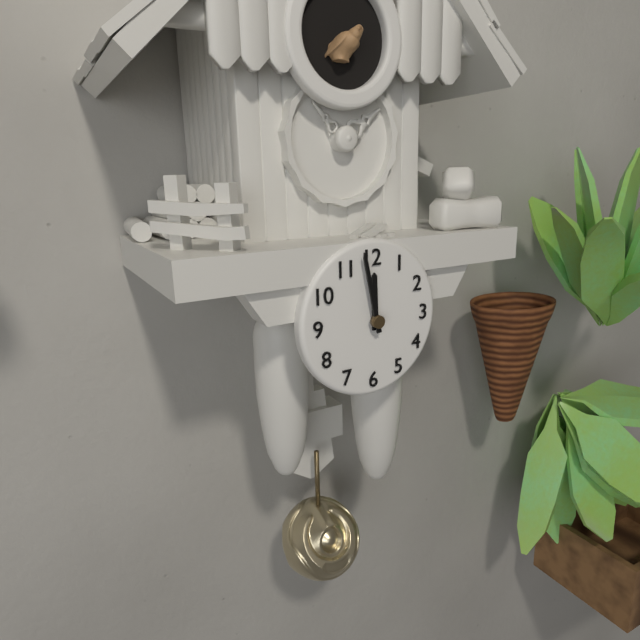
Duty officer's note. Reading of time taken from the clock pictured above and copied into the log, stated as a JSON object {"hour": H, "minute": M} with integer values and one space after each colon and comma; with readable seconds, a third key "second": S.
{"hour": 11, "minute": 58}
